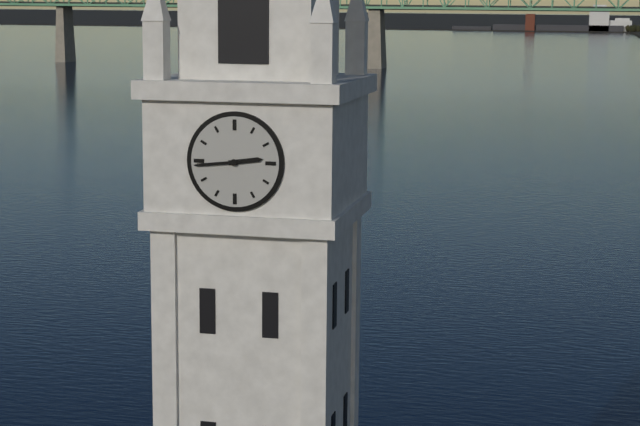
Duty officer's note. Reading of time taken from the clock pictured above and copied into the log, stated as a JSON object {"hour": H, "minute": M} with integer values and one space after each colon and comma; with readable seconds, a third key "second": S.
{"hour": 2, "minute": 44}
